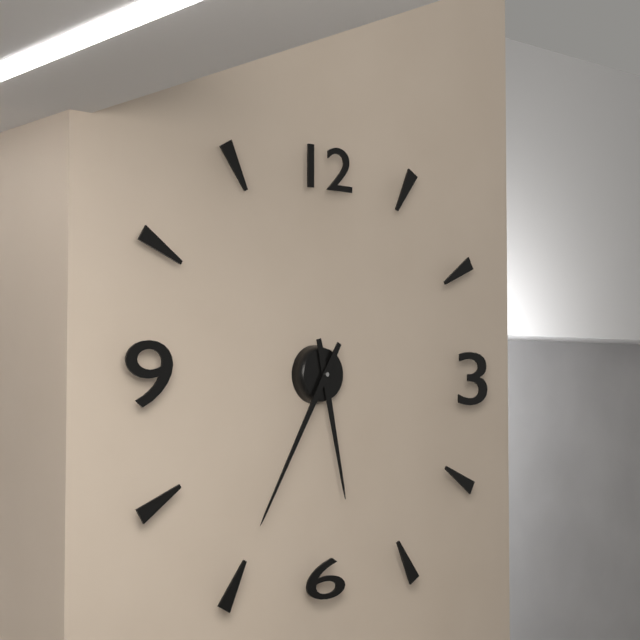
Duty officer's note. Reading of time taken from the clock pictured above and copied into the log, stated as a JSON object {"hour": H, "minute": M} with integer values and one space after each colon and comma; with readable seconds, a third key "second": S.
{"hour": 5, "minute": 35}
